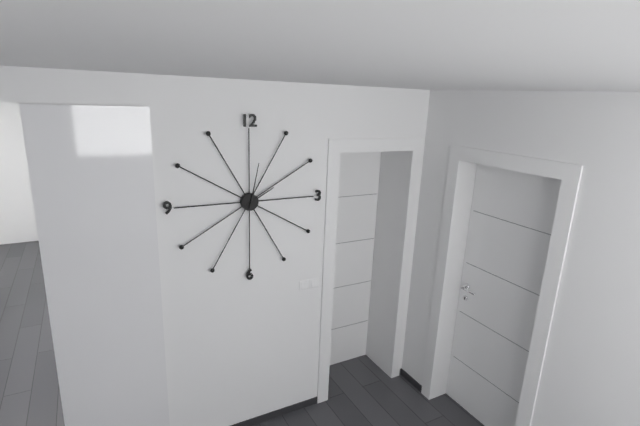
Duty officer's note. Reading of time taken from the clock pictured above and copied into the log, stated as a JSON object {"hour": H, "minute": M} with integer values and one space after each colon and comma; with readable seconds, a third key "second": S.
{"hour": 2, "minute": 2}
